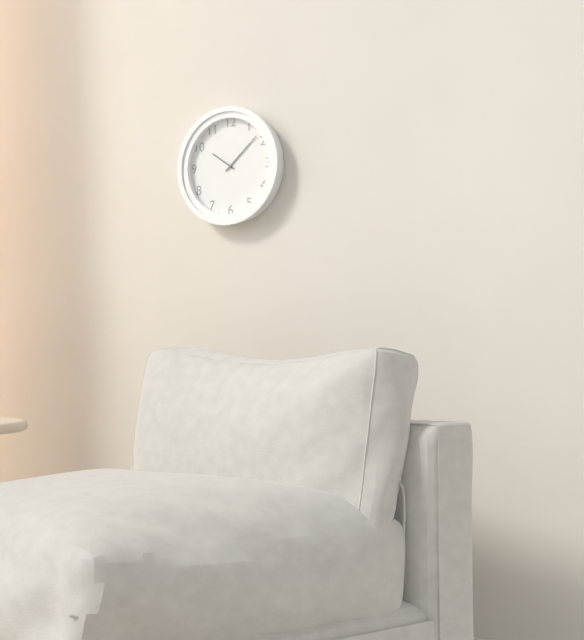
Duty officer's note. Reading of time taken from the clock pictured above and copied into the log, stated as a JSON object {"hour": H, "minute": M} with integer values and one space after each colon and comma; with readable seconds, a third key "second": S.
{"hour": 10, "minute": 8}
